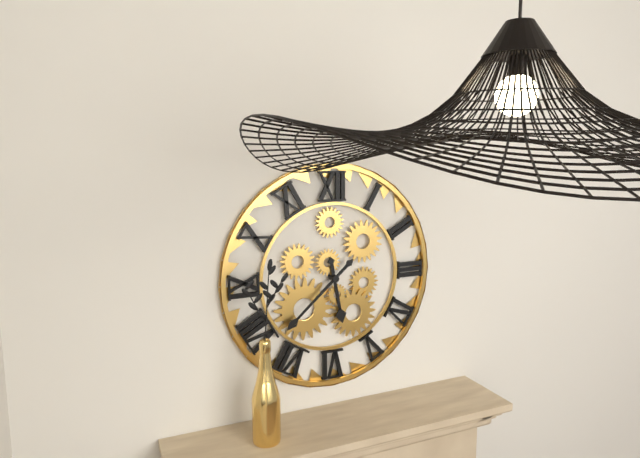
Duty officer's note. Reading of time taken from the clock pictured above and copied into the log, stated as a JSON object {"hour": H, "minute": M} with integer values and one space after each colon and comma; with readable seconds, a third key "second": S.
{"hour": 5, "minute": 38}
